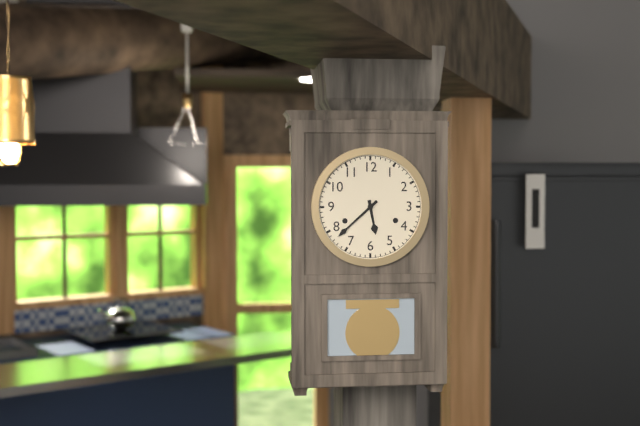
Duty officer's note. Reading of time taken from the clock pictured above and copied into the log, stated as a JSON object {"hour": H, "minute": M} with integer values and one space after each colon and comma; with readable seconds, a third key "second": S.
{"hour": 5, "minute": 38}
